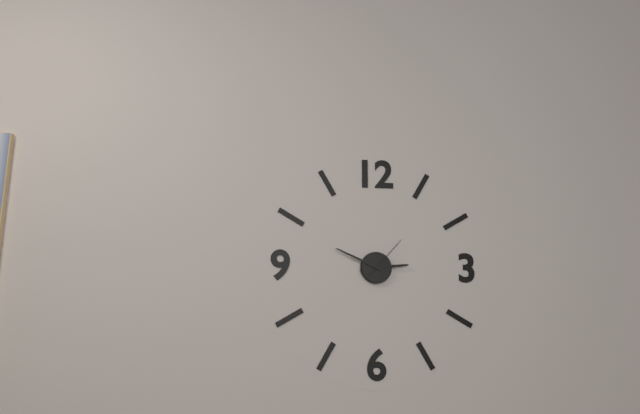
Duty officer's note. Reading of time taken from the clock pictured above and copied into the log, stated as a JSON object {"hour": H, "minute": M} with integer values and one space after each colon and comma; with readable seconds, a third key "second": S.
{"hour": 2, "minute": 49}
